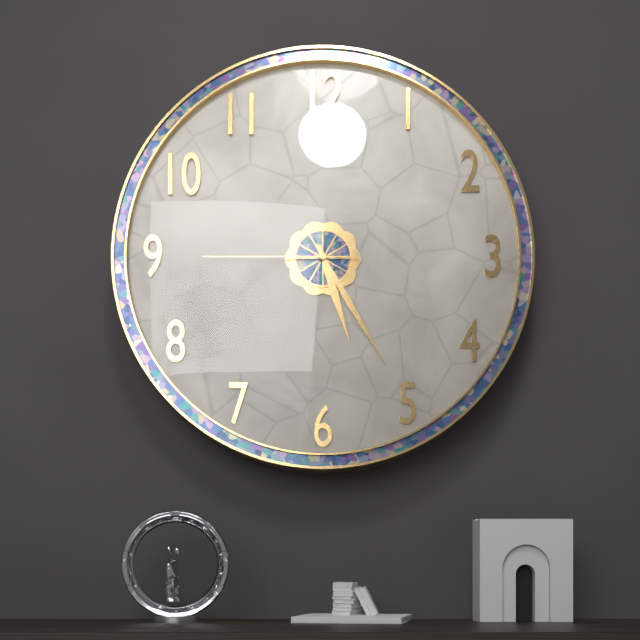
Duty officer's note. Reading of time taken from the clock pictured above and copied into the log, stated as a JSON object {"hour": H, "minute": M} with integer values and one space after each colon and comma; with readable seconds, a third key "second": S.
{"hour": 5, "minute": 25, "second": 45}
